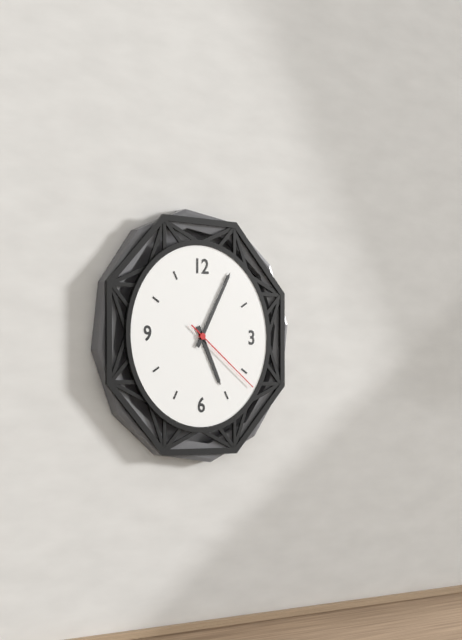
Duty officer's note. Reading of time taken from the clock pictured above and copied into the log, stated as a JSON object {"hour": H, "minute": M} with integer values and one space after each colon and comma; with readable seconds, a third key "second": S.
{"hour": 5, "minute": 5, "second": 21}
